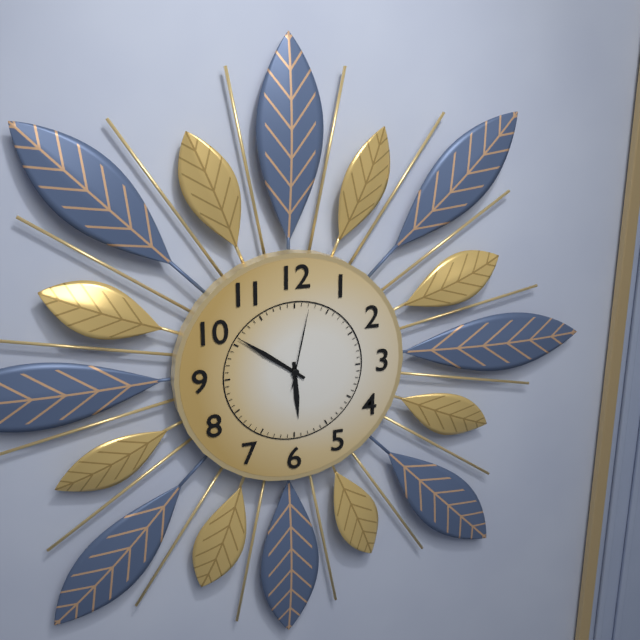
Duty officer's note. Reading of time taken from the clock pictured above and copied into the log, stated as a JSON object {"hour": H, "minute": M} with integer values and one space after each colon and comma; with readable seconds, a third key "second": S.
{"hour": 5, "minute": 51, "second": 2}
